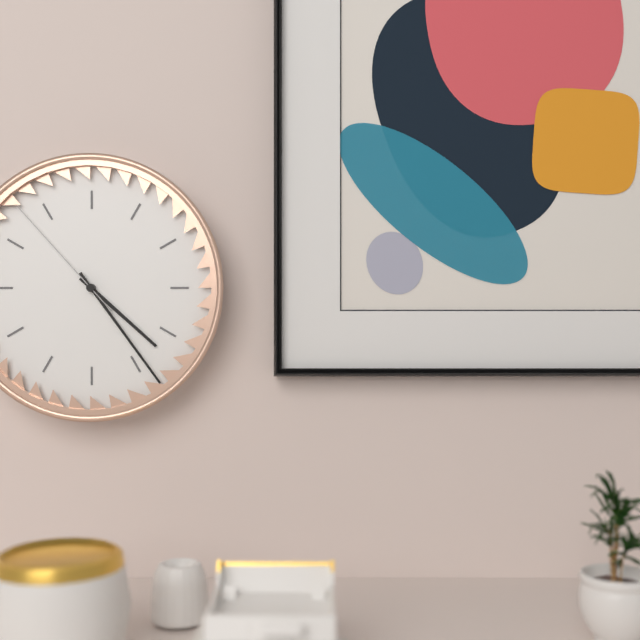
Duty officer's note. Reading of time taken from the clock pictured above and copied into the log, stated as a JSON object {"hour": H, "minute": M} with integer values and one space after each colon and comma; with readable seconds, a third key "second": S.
{"hour": 4, "minute": 24, "second": 53}
